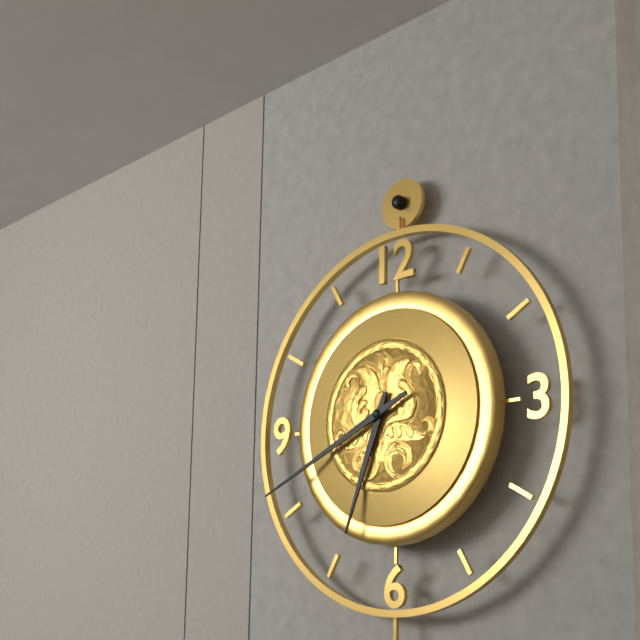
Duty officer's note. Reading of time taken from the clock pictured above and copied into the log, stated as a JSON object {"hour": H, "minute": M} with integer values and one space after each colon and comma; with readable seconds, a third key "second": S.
{"hour": 6, "minute": 41}
